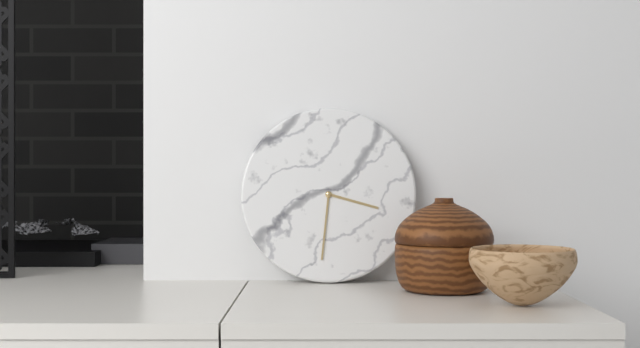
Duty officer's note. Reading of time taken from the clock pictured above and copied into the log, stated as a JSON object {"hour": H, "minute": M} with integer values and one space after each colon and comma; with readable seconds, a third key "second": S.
{"hour": 3, "minute": 31}
